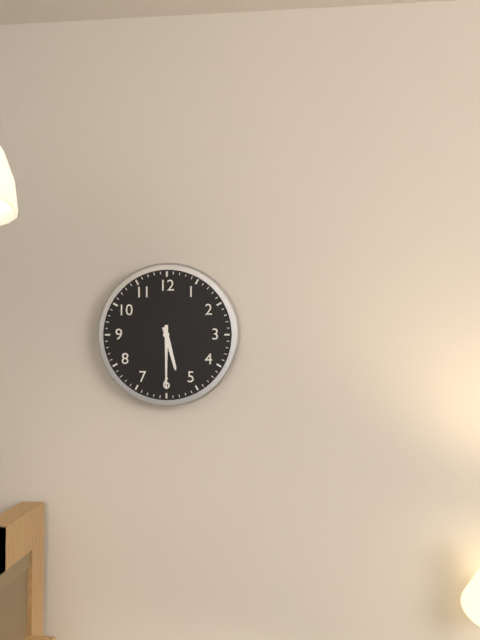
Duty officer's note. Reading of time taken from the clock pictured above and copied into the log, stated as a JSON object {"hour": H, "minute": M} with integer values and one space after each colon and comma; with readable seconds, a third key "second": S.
{"hour": 5, "minute": 30}
